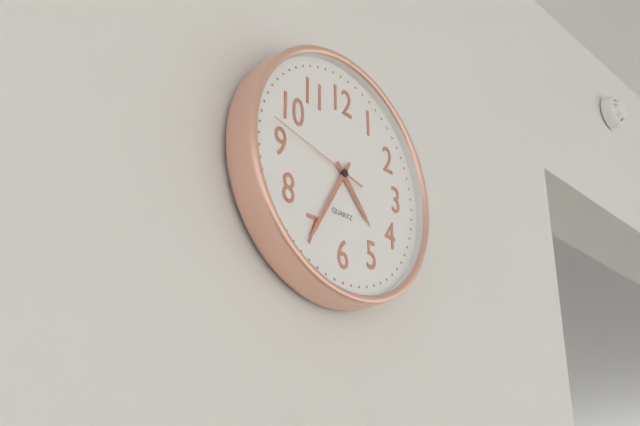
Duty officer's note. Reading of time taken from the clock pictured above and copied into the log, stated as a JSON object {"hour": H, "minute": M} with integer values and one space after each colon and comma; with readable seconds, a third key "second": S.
{"hour": 4, "minute": 35, "second": 47}
